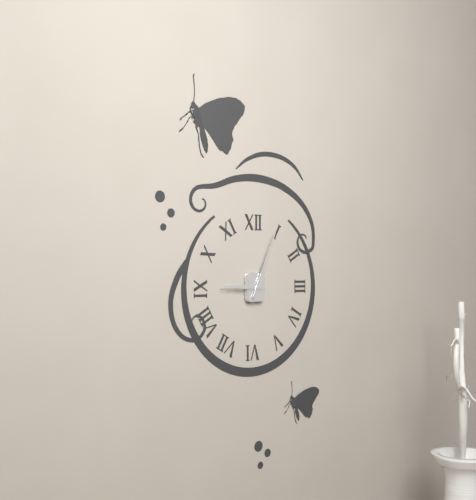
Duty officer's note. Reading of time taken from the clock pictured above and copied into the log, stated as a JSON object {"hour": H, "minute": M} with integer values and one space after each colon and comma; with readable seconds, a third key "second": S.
{"hour": 9, "minute": 4}
